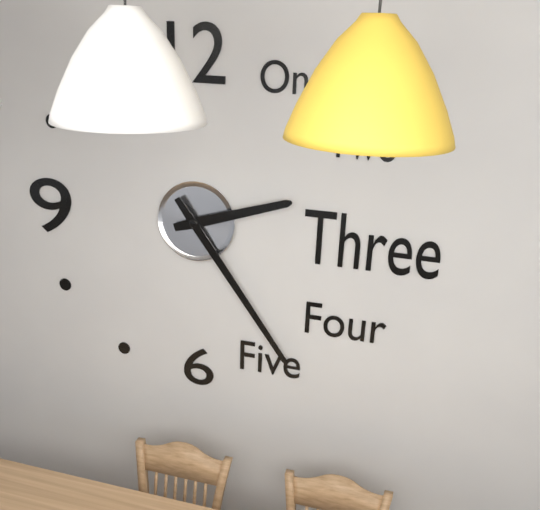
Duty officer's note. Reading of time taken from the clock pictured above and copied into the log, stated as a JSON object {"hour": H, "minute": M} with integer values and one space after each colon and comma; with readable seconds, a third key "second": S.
{"hour": 2, "minute": 24}
